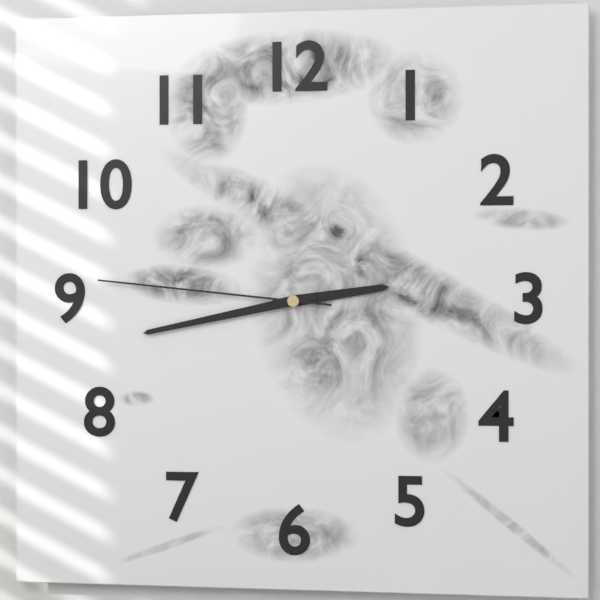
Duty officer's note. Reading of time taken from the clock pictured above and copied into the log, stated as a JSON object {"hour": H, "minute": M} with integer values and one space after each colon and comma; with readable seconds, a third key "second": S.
{"hour": 2, "minute": 43, "second": 46}
